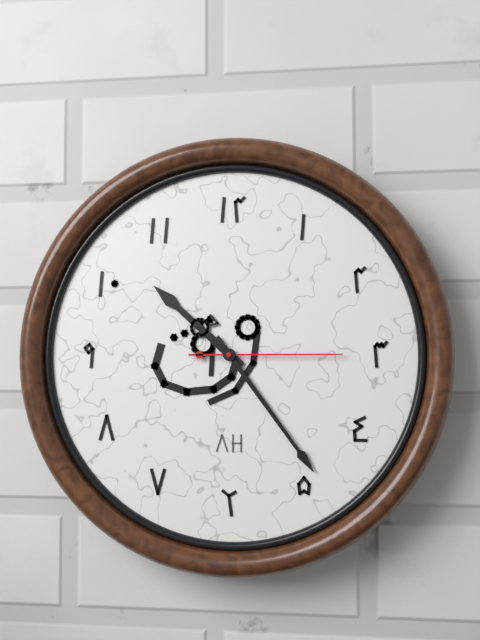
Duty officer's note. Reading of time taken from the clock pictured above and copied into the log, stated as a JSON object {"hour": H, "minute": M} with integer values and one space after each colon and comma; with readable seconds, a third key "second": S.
{"hour": 10, "minute": 24, "second": 15}
